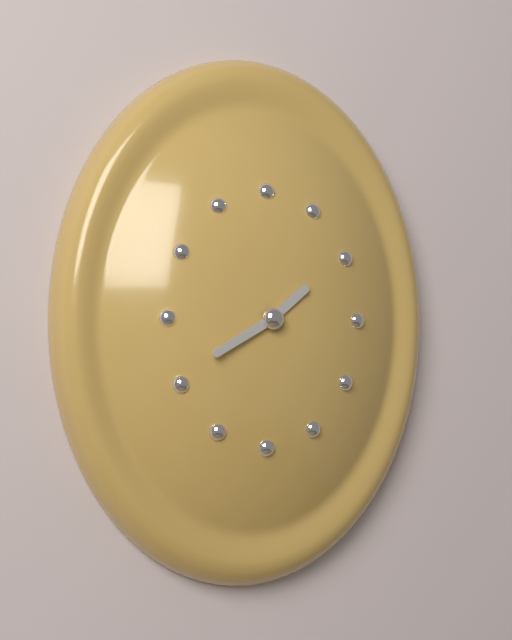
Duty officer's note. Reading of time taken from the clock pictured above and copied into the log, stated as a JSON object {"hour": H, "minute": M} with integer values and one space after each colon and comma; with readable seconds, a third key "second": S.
{"hour": 1, "minute": 40}
